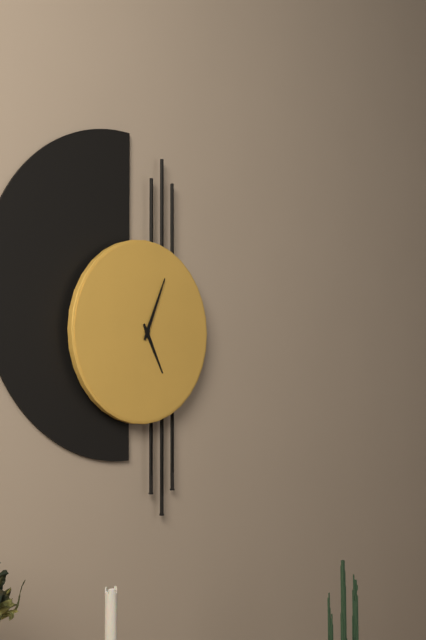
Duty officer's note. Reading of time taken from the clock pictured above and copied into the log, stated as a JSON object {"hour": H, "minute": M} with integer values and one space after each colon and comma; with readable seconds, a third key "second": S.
{"hour": 5, "minute": 4}
